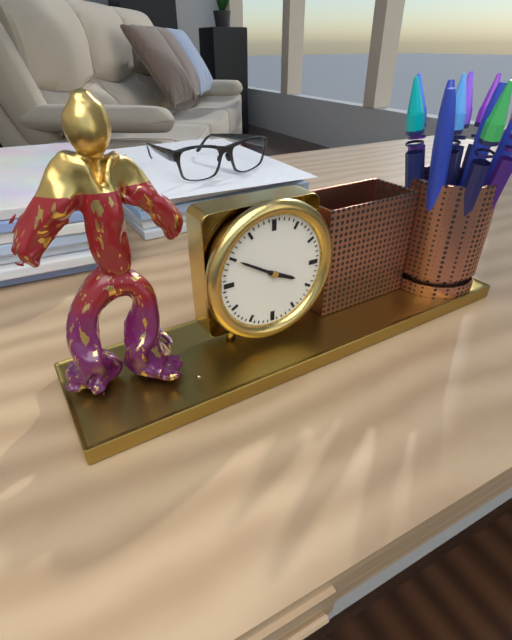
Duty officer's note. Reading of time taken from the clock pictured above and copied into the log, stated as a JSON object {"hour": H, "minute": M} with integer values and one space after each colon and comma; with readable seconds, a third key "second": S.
{"hour": 3, "minute": 50}
